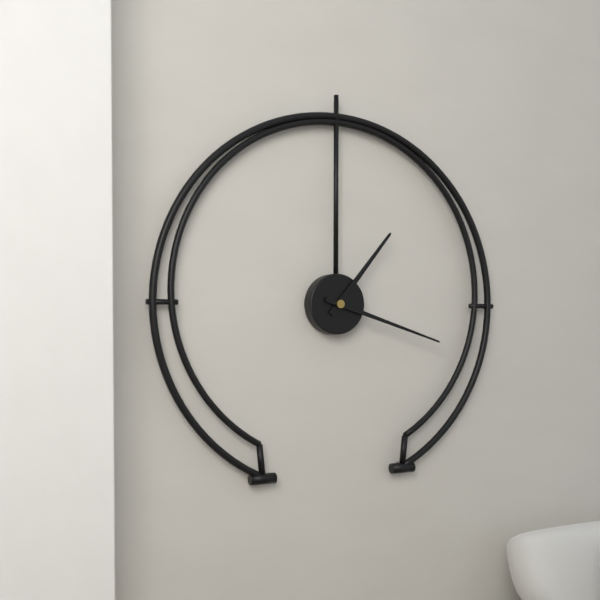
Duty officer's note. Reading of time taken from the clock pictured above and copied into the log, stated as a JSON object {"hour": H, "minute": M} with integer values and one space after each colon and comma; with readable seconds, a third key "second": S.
{"hour": 1, "minute": 18}
